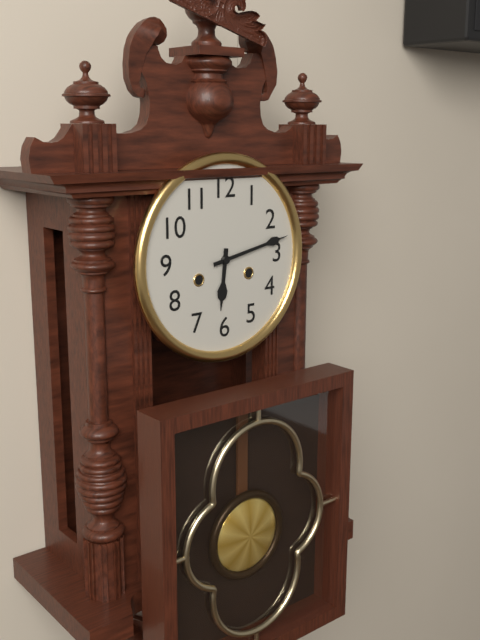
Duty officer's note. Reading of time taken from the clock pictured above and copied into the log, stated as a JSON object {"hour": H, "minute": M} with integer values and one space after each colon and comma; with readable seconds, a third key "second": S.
{"hour": 6, "minute": 13}
